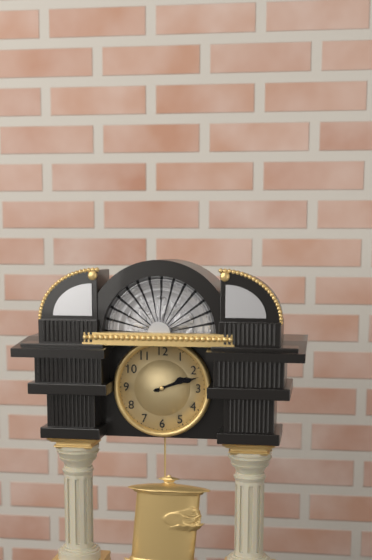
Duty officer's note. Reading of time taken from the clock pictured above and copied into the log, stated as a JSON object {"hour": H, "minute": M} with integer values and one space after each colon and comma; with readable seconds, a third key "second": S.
{"hour": 2, "minute": 12}
